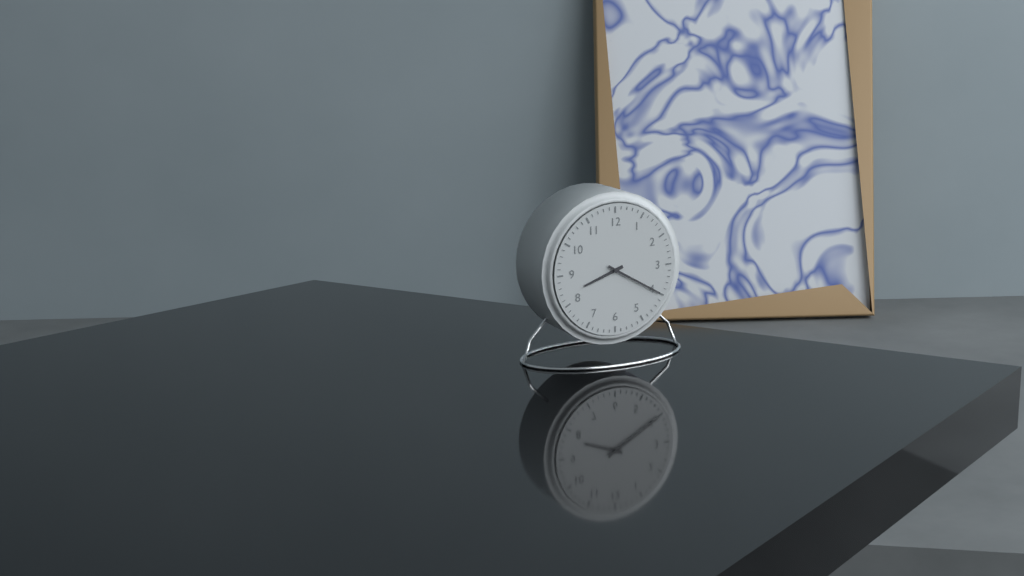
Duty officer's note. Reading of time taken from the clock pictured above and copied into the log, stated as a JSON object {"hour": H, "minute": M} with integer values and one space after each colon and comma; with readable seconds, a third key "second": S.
{"hour": 8, "minute": 20}
